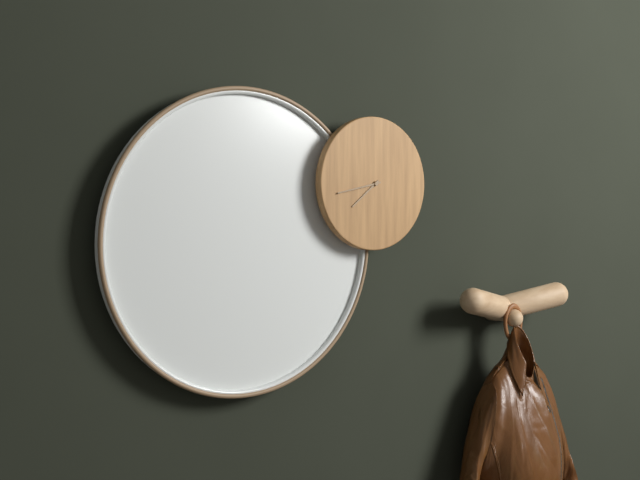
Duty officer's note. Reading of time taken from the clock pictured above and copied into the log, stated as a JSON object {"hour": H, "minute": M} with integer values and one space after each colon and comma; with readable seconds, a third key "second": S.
{"hour": 7, "minute": 43}
